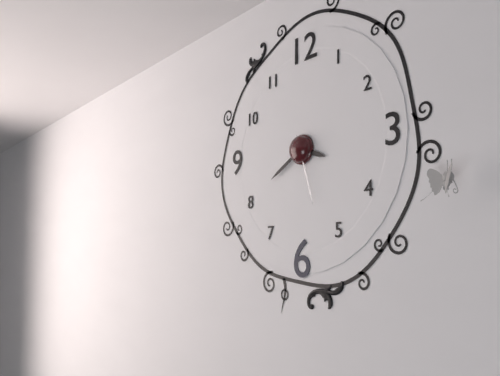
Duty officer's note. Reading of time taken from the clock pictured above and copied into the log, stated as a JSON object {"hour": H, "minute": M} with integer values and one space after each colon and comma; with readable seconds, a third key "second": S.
{"hour": 3, "minute": 40, "second": 27}
